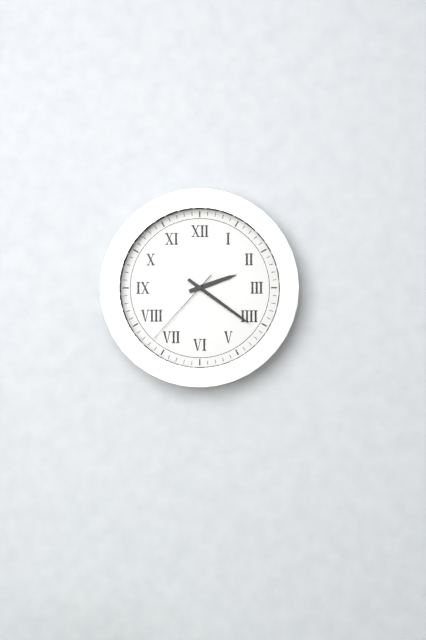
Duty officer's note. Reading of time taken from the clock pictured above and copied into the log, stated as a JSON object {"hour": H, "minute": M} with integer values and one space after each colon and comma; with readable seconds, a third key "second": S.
{"hour": 2, "minute": 21, "second": 37}
